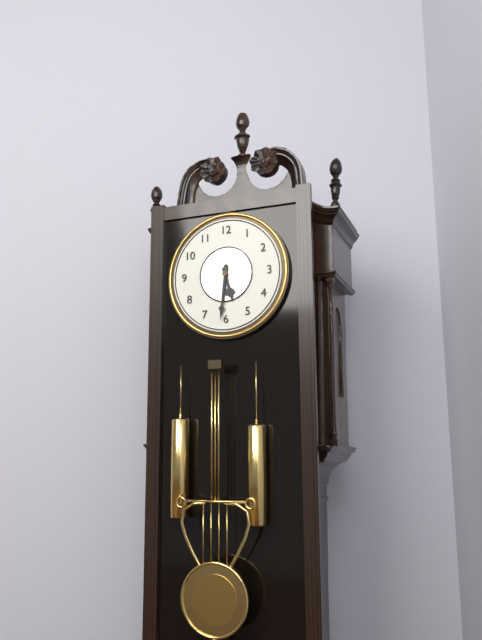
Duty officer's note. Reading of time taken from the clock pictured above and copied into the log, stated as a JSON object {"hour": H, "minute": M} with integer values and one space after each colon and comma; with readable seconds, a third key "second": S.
{"hour": 5, "minute": 31}
